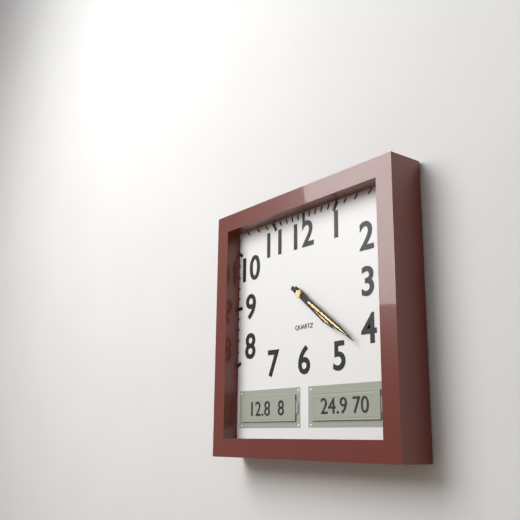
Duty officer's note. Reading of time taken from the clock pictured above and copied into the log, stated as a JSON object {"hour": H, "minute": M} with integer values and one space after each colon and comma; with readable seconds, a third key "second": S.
{"hour": 4, "minute": 21}
